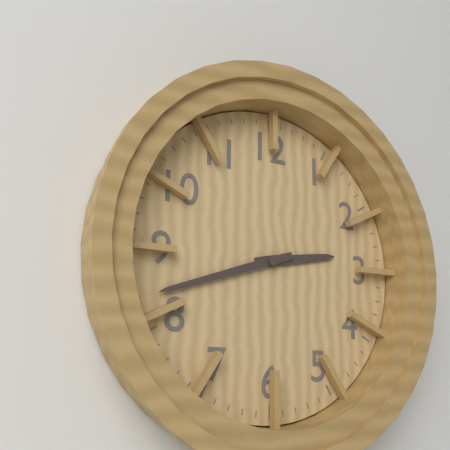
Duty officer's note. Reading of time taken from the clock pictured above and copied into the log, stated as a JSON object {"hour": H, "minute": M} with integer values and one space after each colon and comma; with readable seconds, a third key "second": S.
{"hour": 2, "minute": 42}
